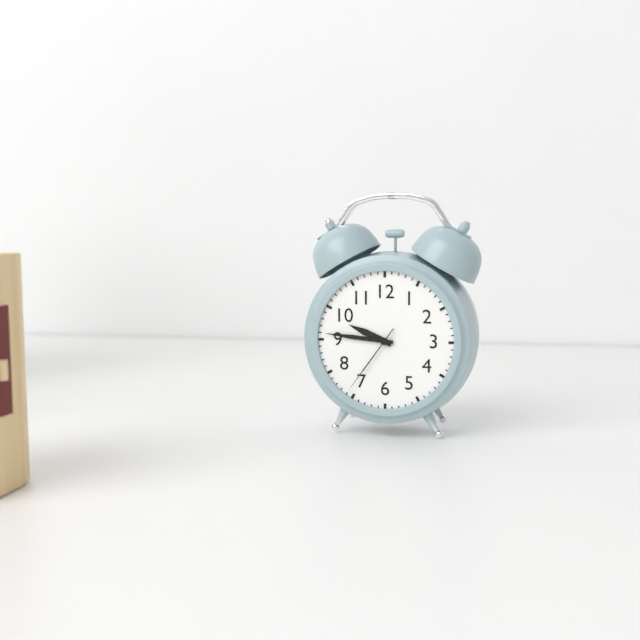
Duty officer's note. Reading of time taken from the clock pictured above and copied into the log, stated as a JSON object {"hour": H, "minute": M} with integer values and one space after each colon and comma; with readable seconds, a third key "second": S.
{"hour": 9, "minute": 46, "second": 36}
